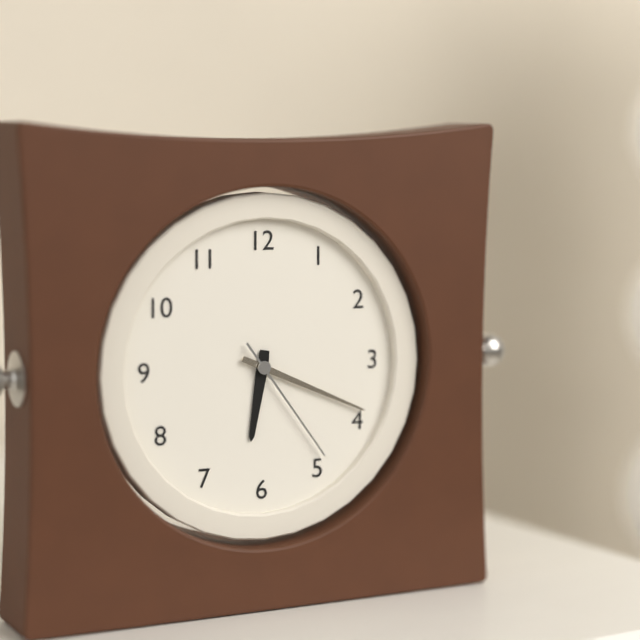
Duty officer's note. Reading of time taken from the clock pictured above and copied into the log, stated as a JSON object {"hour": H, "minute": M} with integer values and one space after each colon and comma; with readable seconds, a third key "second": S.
{"hour": 6, "minute": 19, "second": 24}
